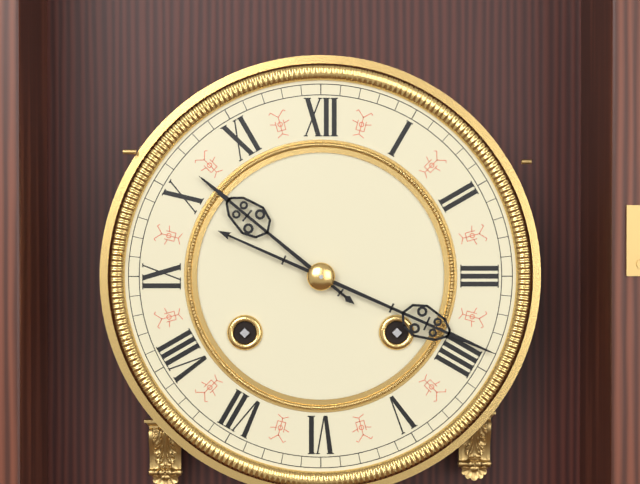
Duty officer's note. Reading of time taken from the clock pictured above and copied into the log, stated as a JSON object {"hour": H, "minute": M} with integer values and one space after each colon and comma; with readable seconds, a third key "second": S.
{"hour": 10, "minute": 19}
